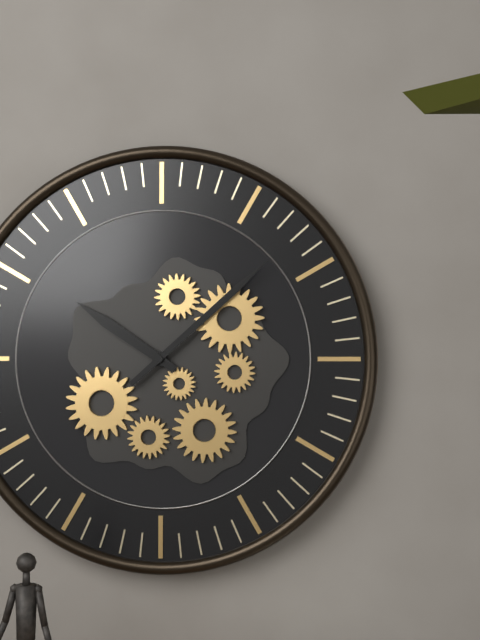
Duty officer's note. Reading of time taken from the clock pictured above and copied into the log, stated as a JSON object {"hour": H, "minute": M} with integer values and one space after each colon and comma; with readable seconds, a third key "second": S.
{"hour": 10, "minute": 8}
